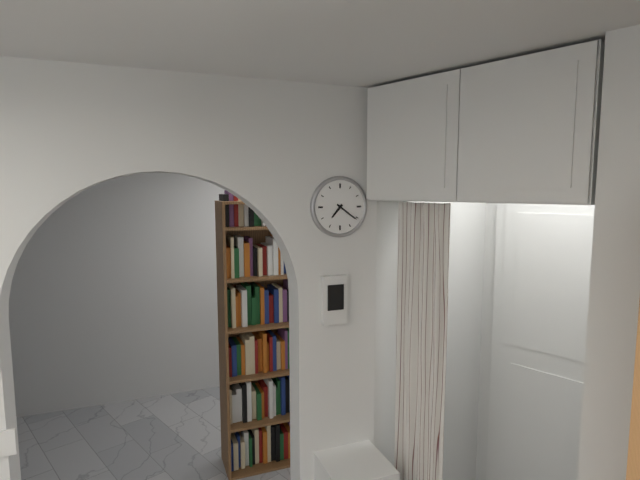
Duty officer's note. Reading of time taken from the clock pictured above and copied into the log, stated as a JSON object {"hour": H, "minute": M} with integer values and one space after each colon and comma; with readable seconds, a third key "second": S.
{"hour": 7, "minute": 21}
